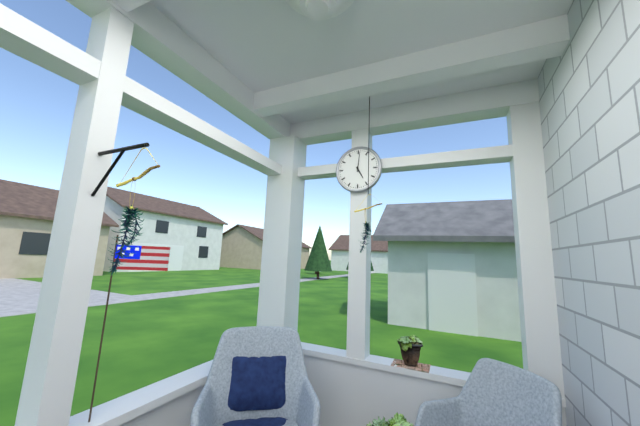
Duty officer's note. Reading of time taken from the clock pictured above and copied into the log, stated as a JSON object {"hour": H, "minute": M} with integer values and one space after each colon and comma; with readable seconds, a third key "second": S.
{"hour": 5, "minute": 1}
